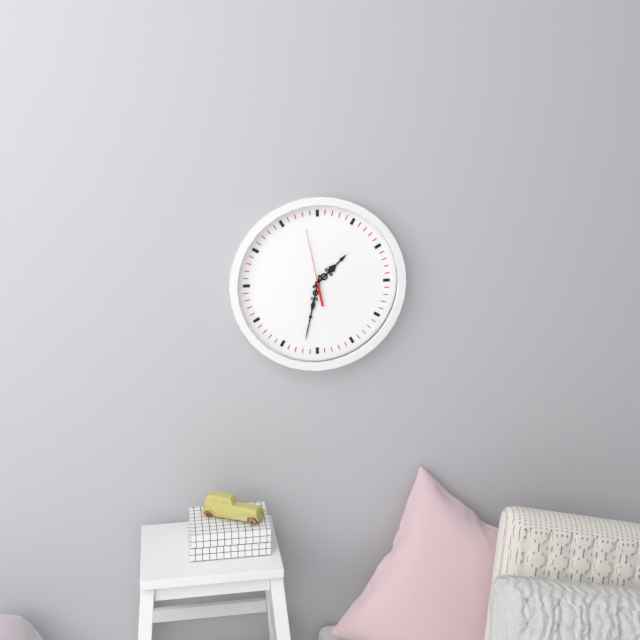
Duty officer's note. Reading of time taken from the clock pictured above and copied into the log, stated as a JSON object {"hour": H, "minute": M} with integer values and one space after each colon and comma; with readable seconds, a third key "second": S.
{"hour": 1, "minute": 32, "second": 58}
